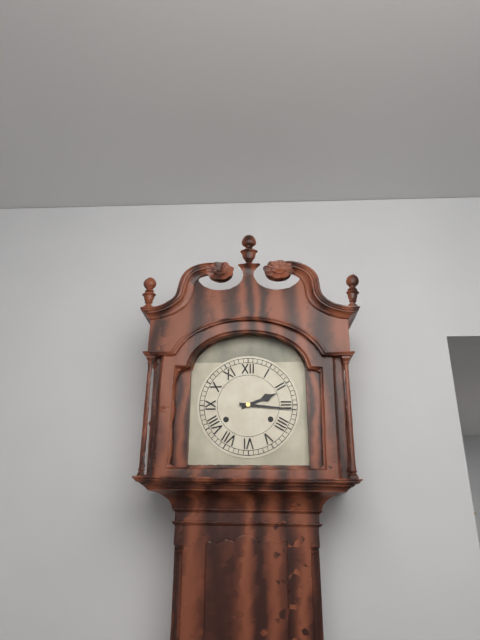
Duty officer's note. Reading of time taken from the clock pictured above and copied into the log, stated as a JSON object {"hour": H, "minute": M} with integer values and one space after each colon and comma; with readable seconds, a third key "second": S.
{"hour": 2, "minute": 16}
